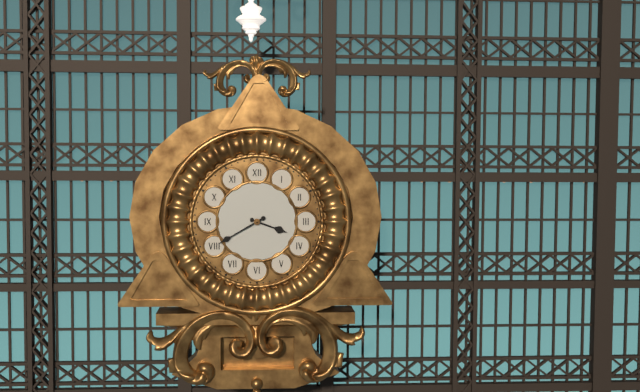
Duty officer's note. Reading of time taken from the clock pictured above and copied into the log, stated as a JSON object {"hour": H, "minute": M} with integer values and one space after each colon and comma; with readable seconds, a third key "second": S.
{"hour": 3, "minute": 40}
